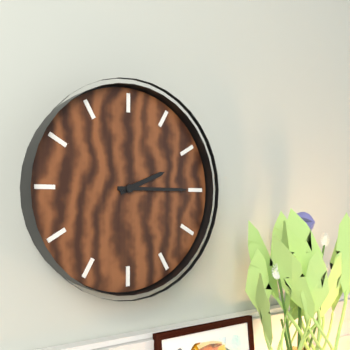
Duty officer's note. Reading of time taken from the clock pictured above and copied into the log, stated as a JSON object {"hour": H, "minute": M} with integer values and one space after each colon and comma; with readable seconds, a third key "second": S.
{"hour": 2, "minute": 15}
